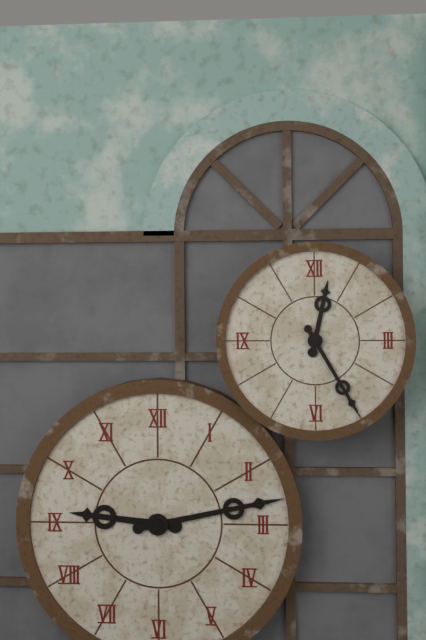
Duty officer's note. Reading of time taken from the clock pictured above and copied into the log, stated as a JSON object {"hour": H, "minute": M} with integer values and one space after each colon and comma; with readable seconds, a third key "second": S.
{"hour": 12, "minute": 25}
